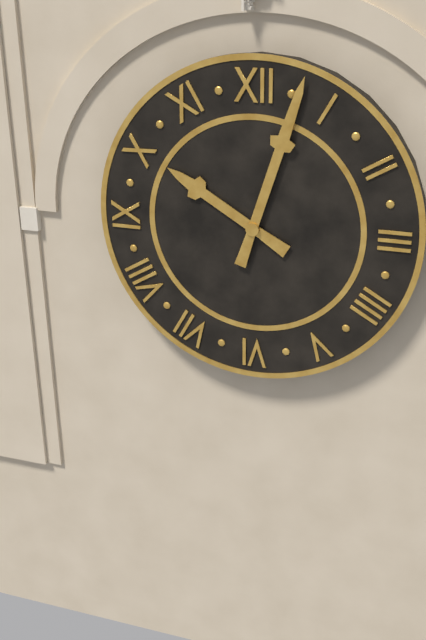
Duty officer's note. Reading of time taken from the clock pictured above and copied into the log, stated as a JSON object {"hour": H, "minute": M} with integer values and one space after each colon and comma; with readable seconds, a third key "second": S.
{"hour": 10, "minute": 3}
